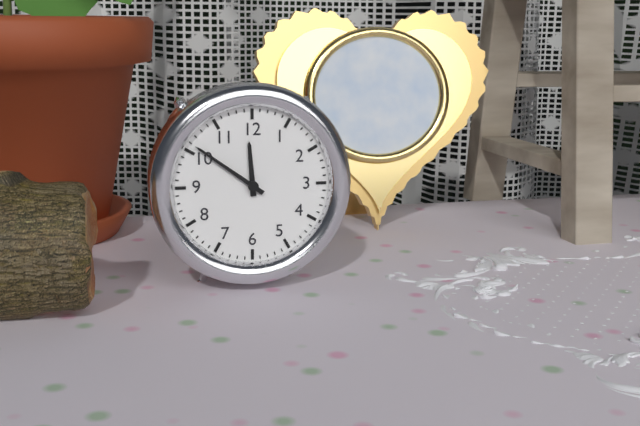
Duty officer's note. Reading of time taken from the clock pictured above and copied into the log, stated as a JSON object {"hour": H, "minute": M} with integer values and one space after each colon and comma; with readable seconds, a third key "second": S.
{"hour": 11, "minute": 51}
